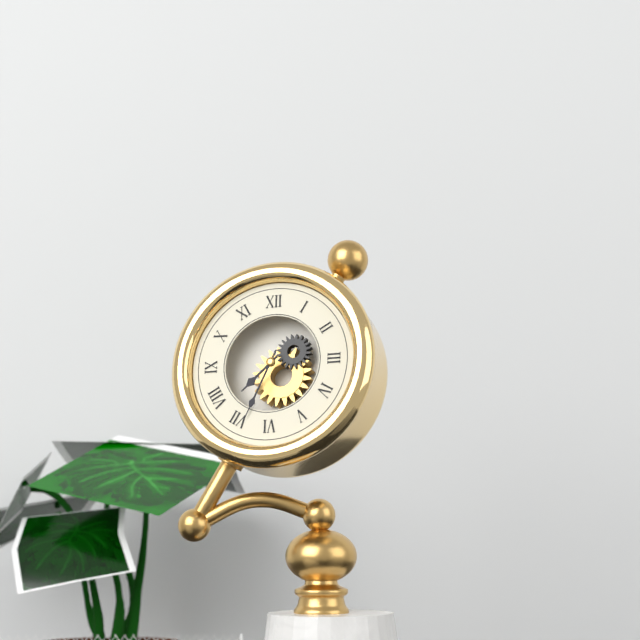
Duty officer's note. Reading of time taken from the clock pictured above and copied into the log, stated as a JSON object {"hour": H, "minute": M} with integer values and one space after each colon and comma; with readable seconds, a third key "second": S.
{"hour": 7, "minute": 34}
